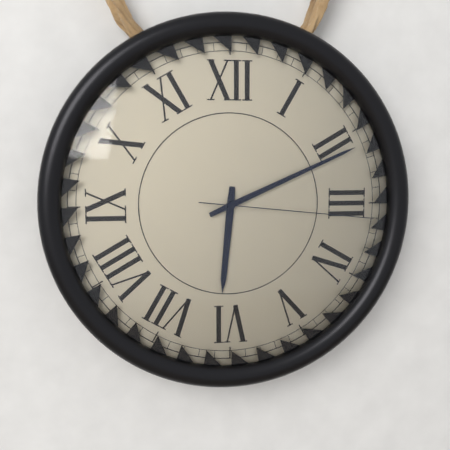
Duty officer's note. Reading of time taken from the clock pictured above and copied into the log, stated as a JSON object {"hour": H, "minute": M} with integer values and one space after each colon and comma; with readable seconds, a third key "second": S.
{"hour": 6, "minute": 11, "second": 16}
